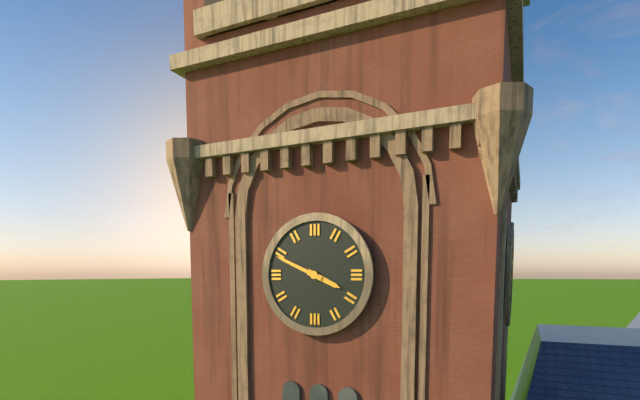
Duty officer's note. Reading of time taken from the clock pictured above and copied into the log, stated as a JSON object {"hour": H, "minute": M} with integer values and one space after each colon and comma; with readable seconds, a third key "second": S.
{"hour": 3, "minute": 49}
